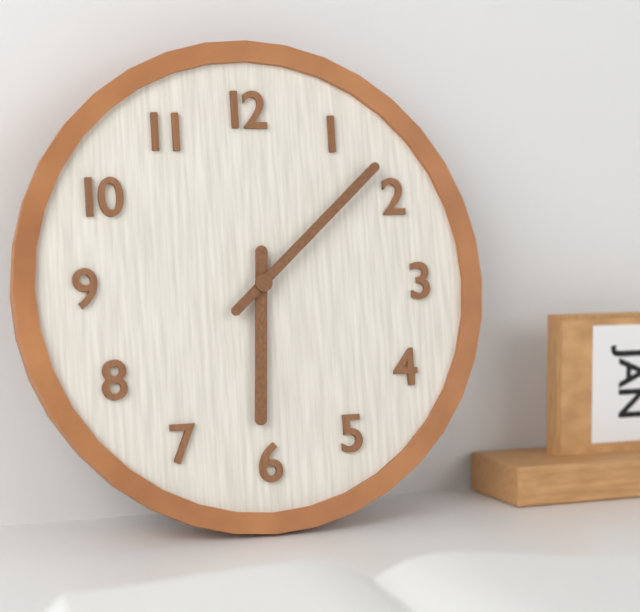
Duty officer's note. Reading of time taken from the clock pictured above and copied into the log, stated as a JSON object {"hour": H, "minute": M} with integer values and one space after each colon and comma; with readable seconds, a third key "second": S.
{"hour": 6, "minute": 8}
